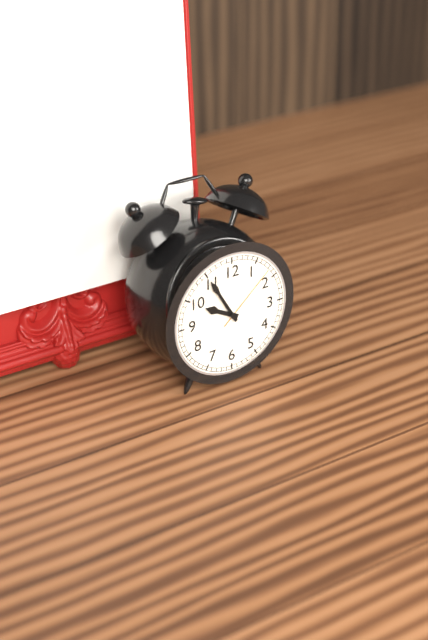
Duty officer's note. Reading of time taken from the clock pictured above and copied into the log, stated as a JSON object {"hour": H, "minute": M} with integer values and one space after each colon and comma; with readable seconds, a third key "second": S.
{"hour": 9, "minute": 55, "second": 8}
